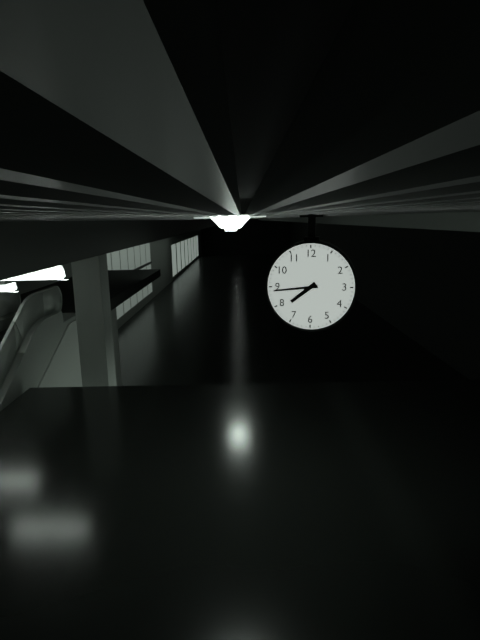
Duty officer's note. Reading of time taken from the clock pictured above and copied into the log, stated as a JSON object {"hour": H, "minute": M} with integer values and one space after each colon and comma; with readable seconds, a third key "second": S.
{"hour": 7, "minute": 44}
